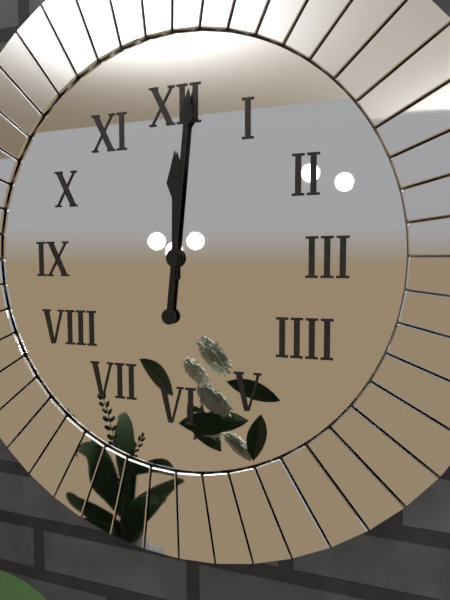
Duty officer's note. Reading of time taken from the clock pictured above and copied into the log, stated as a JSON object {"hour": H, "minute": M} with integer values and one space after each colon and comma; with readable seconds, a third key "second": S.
{"hour": 12, "minute": 1}
